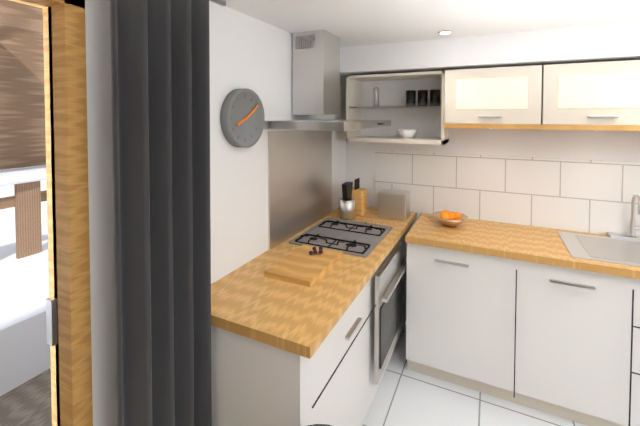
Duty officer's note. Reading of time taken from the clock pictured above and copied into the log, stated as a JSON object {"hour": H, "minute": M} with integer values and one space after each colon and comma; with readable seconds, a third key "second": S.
{"hour": 8, "minute": 9}
